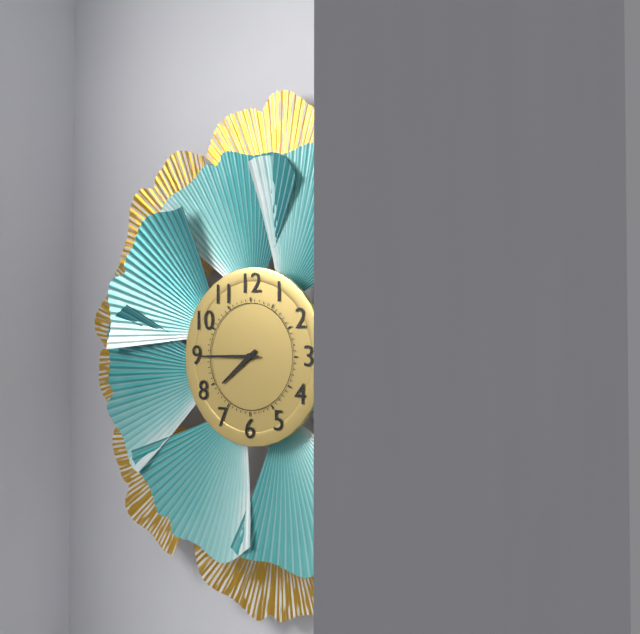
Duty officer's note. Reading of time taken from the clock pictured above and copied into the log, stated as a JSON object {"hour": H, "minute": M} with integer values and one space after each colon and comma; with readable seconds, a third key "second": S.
{"hour": 7, "minute": 45}
